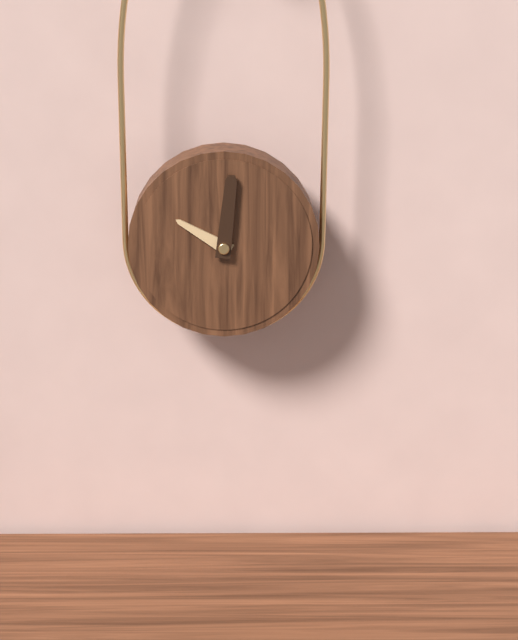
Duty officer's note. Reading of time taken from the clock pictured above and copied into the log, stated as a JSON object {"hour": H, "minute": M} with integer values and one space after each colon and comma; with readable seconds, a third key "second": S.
{"hour": 10, "minute": 1}
